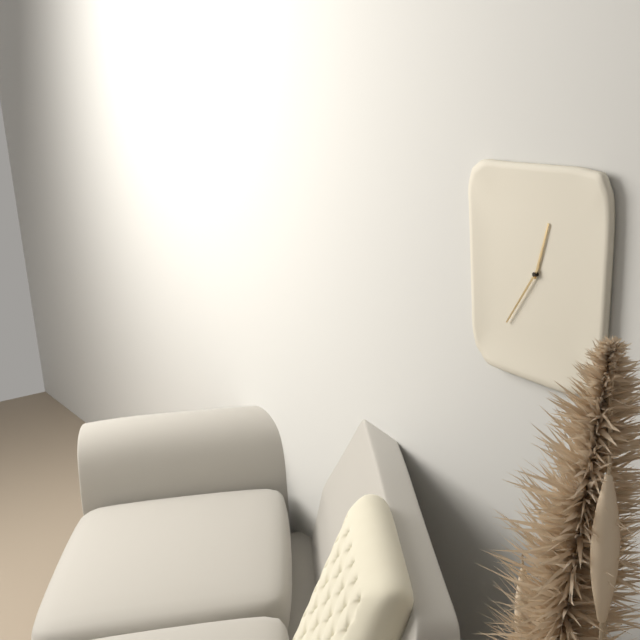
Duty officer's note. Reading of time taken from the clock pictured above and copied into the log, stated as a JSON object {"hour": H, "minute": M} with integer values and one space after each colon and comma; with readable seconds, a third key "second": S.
{"hour": 12, "minute": 36}
